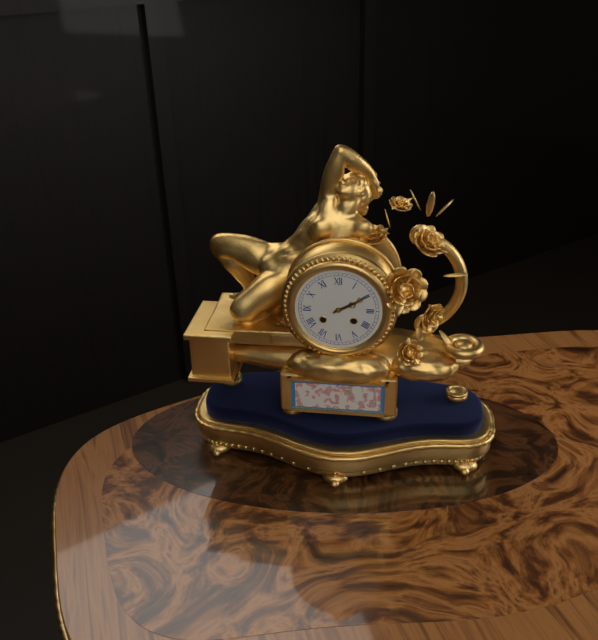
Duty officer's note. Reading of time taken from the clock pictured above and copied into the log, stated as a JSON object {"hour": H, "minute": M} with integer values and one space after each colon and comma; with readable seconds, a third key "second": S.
{"hour": 2, "minute": 10}
